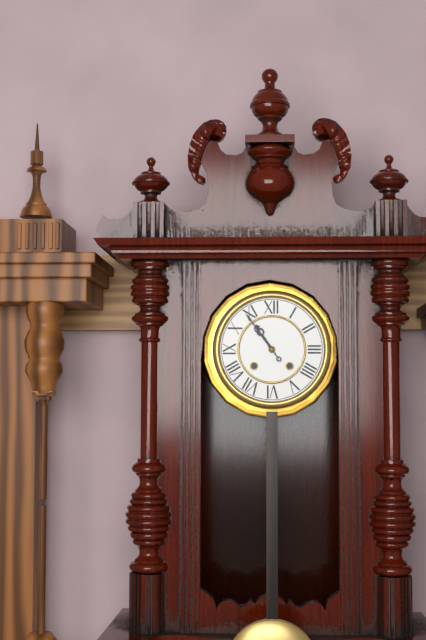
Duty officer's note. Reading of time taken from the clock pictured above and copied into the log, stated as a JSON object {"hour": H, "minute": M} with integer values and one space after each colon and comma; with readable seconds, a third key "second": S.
{"hour": 10, "minute": 54}
